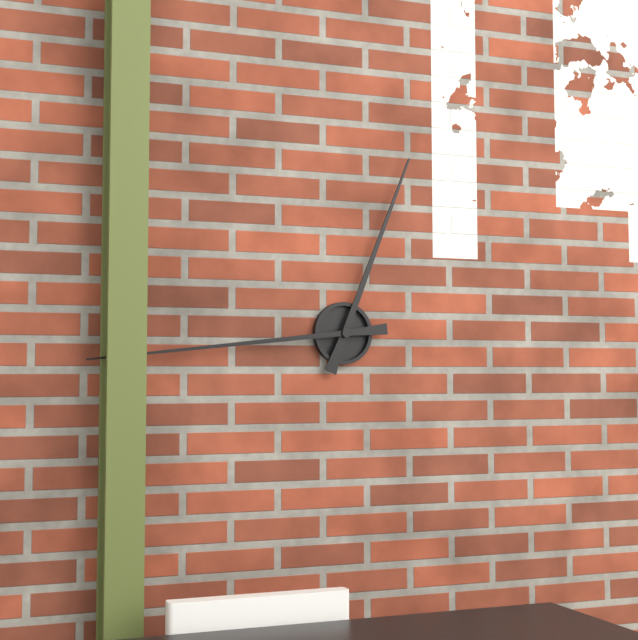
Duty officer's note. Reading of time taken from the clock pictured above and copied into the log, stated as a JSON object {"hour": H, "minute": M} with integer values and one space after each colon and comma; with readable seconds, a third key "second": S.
{"hour": 12, "minute": 44}
